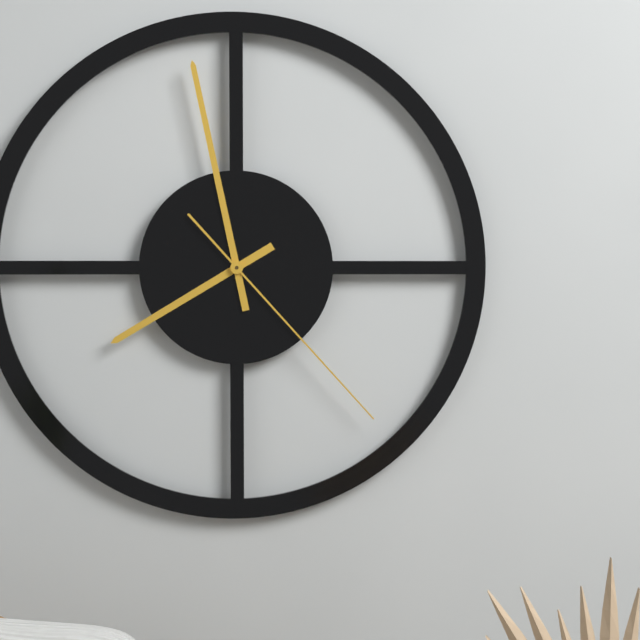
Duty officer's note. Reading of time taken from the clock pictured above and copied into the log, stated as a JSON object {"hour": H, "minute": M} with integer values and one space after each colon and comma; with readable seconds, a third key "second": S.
{"hour": 7, "minute": 58, "second": 23}
